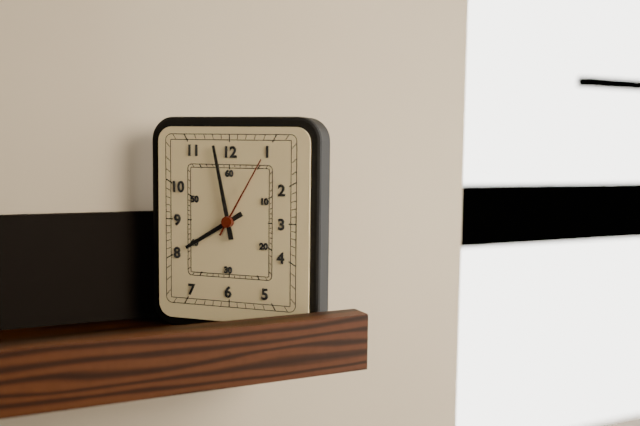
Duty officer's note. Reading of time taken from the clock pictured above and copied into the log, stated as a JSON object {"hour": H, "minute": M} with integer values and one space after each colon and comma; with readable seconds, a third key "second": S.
{"hour": 7, "minute": 58, "second": 5}
